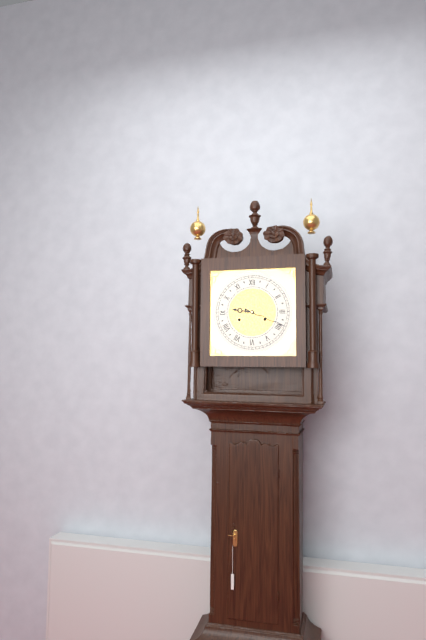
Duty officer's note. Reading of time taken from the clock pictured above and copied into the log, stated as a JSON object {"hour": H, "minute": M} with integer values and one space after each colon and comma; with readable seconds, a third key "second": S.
{"hour": 9, "minute": 19}
